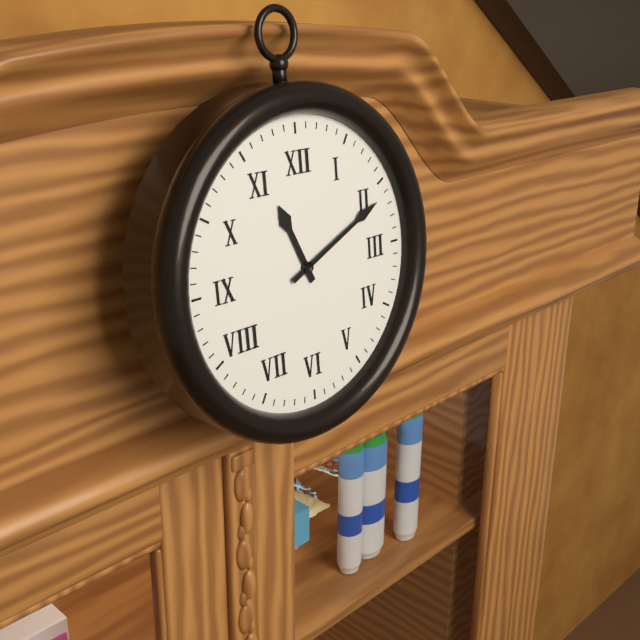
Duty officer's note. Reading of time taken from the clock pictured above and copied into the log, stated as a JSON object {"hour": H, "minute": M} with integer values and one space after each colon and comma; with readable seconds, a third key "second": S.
{"hour": 11, "minute": 11}
